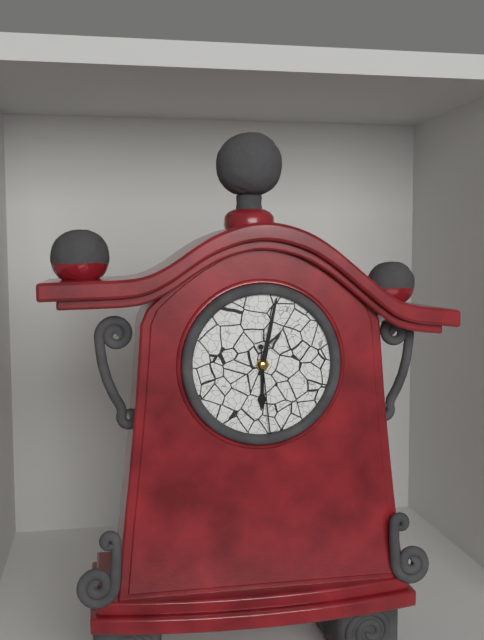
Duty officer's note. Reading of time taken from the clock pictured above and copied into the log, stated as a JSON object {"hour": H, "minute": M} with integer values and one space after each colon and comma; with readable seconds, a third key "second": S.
{"hour": 6, "minute": 2, "second": 29}
